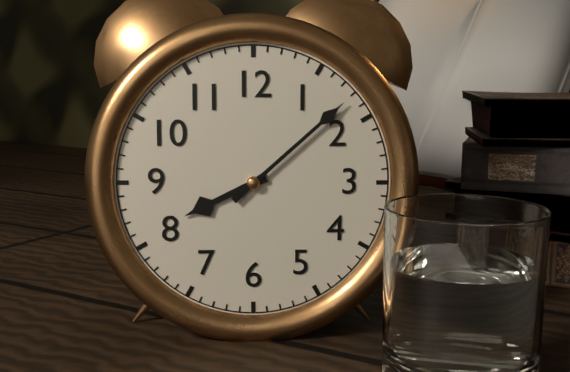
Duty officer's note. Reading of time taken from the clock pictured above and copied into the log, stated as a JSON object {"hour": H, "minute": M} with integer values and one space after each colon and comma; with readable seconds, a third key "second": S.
{"hour": 8, "minute": 8}
